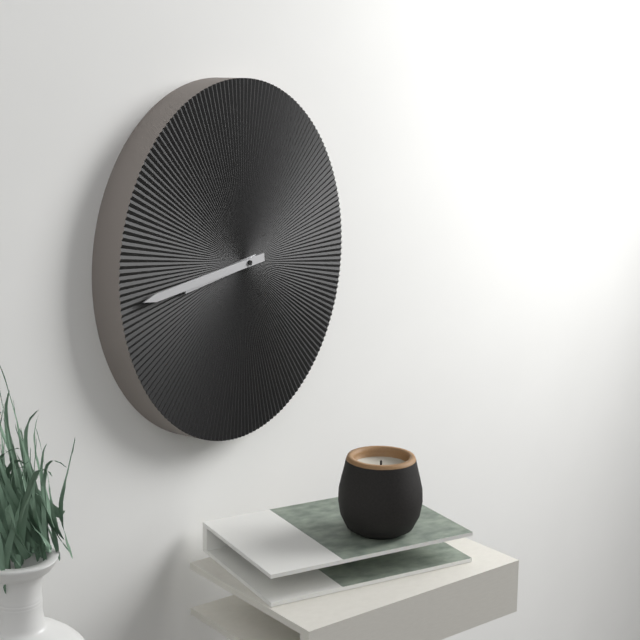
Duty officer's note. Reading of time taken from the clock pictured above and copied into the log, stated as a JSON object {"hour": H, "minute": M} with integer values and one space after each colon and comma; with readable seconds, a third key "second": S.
{"hour": 8, "minute": 44}
